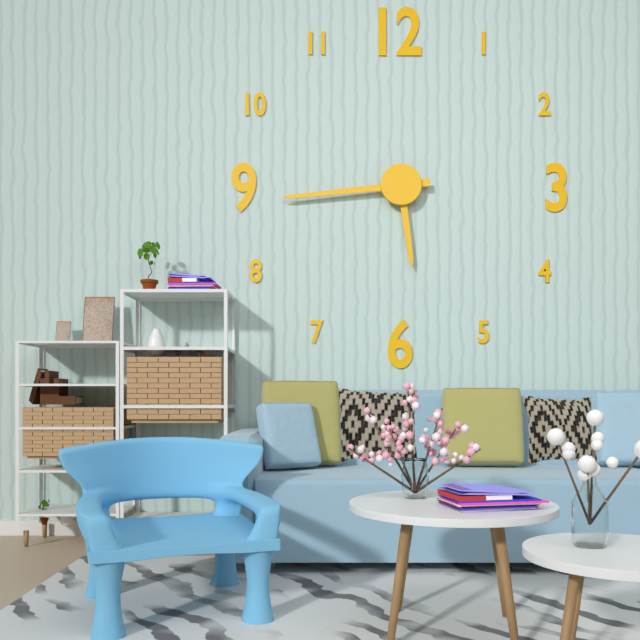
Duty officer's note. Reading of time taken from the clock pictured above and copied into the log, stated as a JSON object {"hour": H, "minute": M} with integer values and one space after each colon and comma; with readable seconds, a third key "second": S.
{"hour": 5, "minute": 44}
